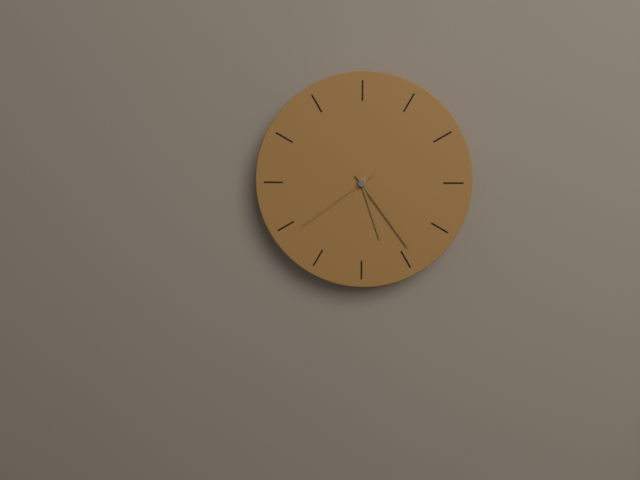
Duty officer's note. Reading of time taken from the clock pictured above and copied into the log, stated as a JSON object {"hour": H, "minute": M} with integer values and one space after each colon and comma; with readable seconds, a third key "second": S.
{"hour": 5, "minute": 24, "second": 39}
